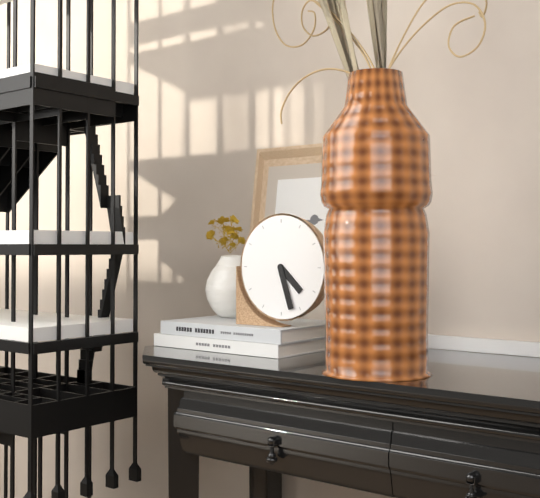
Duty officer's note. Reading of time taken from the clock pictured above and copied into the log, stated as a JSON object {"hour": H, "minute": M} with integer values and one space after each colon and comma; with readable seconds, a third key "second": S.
{"hour": 4, "minute": 27}
